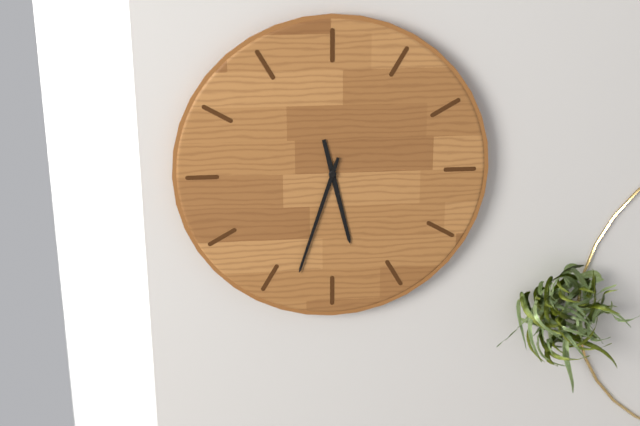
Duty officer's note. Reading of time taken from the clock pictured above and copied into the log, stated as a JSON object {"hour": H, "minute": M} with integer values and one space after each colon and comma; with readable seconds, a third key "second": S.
{"hour": 5, "minute": 33}
